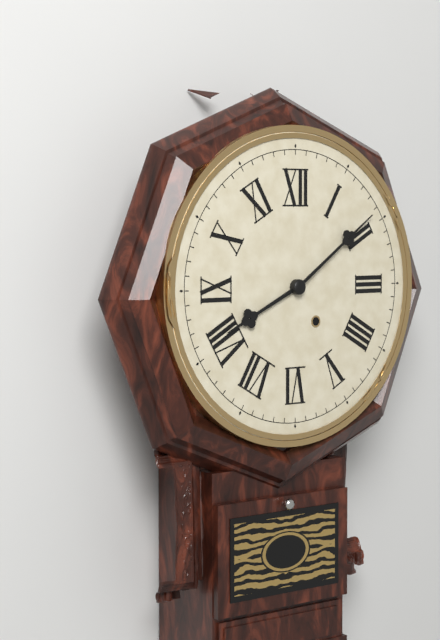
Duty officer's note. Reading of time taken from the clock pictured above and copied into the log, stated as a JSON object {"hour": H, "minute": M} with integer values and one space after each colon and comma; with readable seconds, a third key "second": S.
{"hour": 8, "minute": 9}
